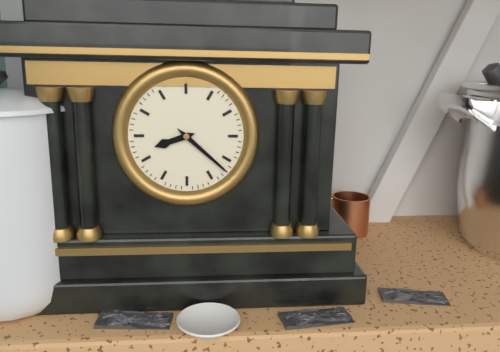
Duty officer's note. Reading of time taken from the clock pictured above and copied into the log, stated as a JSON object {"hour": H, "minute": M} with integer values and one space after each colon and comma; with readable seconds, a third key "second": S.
{"hour": 8, "minute": 22}
